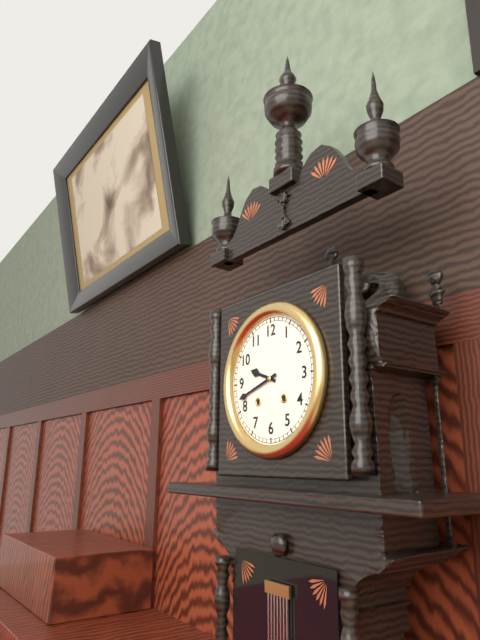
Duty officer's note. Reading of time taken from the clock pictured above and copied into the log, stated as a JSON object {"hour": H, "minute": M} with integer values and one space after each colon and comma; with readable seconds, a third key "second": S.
{"hour": 9, "minute": 42}
